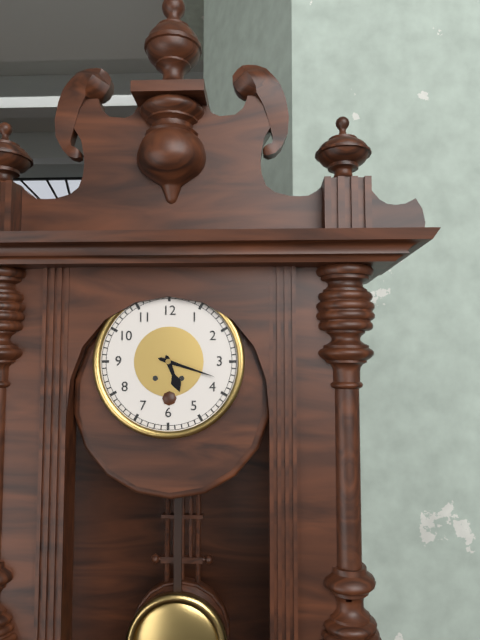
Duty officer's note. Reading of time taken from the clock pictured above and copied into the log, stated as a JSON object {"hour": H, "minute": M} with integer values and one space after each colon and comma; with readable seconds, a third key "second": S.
{"hour": 5, "minute": 18}
